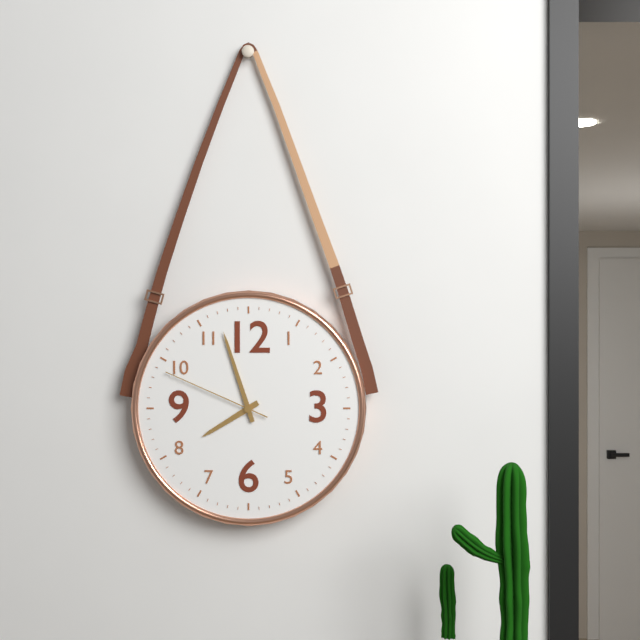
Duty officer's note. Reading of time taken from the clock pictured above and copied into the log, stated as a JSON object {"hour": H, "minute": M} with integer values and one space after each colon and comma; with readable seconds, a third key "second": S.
{"hour": 7, "minute": 57, "second": 49}
